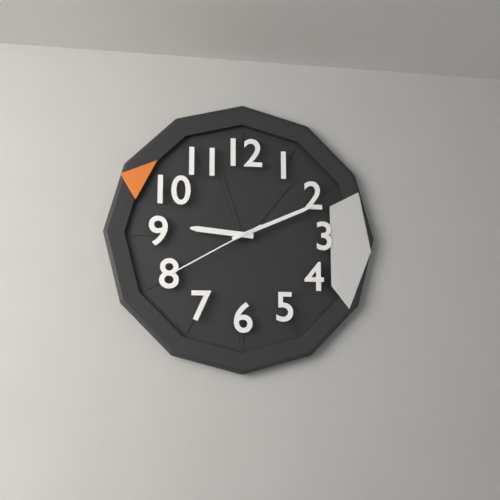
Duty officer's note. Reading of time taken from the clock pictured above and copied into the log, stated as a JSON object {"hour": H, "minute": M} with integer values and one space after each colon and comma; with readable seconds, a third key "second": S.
{"hour": 9, "minute": 11, "second": 40}
